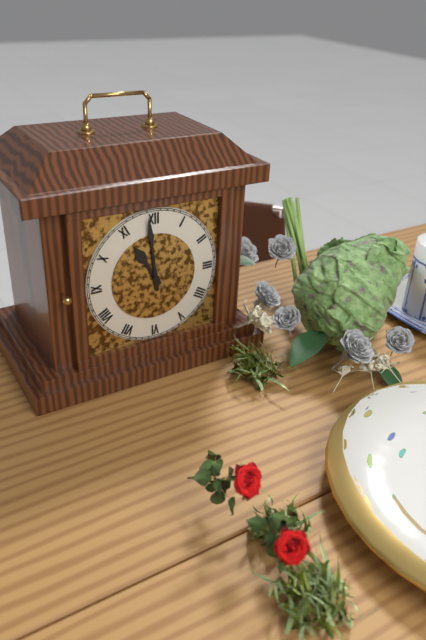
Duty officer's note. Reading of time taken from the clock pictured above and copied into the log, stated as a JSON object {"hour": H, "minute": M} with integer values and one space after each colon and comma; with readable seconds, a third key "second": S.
{"hour": 10, "minute": 59}
